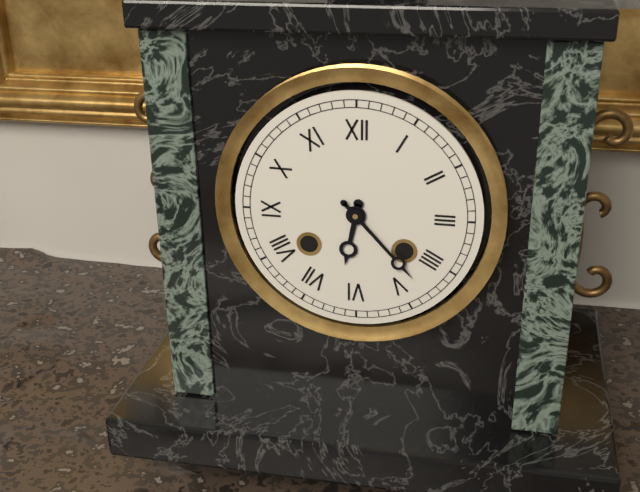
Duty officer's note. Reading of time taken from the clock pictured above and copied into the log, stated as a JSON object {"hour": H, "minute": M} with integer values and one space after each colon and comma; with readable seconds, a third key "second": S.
{"hour": 6, "minute": 23}
